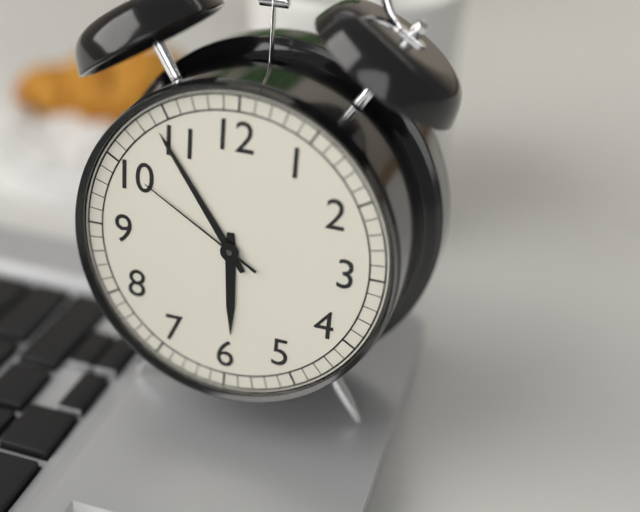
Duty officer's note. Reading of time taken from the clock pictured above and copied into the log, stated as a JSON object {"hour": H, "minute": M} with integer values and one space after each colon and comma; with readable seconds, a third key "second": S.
{"hour": 5, "minute": 54, "second": 50}
